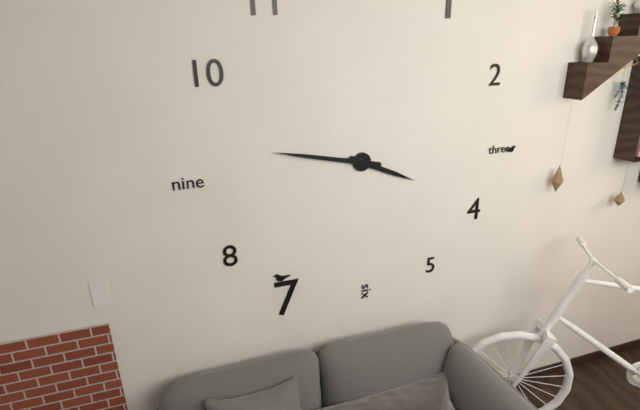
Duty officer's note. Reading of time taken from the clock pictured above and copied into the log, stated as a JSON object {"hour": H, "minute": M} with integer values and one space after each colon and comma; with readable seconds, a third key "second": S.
{"hour": 3, "minute": 47}
